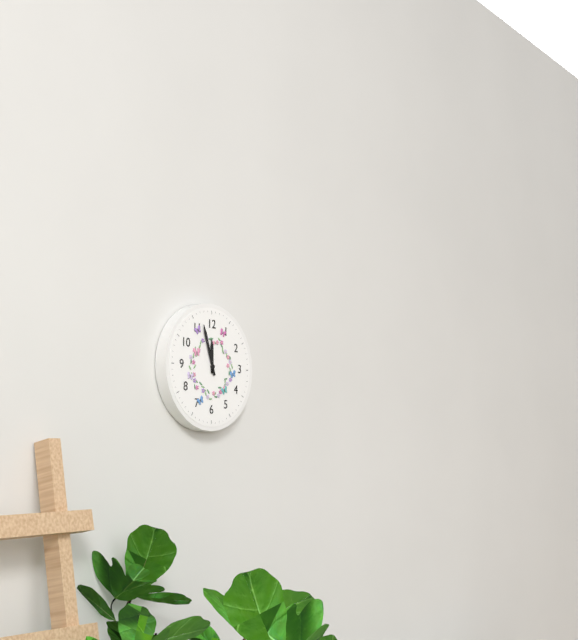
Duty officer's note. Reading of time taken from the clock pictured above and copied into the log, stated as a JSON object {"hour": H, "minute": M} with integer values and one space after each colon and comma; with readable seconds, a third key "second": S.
{"hour": 11, "minute": 57}
